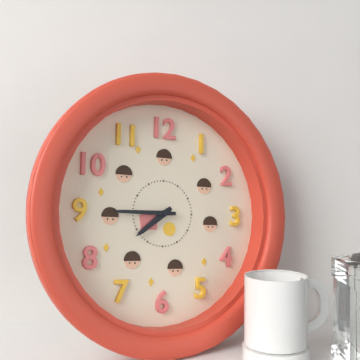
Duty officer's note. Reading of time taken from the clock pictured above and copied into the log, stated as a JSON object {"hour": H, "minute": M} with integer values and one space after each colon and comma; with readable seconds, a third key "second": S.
{"hour": 7, "minute": 45}
